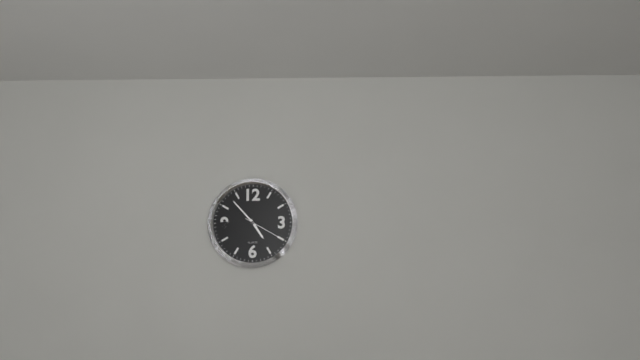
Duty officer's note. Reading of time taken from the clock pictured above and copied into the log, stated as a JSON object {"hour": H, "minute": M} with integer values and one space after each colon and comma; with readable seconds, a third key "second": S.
{"hour": 4, "minute": 53}
